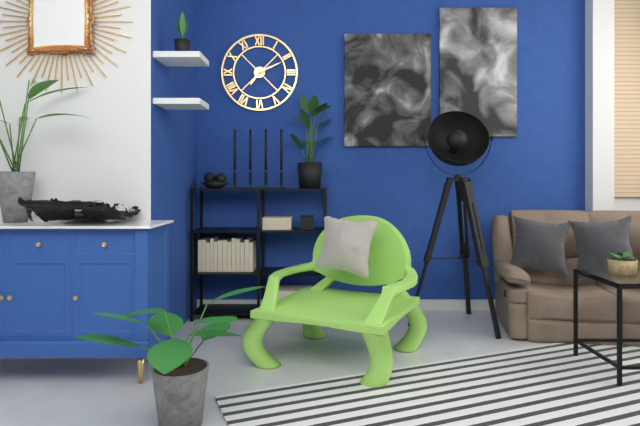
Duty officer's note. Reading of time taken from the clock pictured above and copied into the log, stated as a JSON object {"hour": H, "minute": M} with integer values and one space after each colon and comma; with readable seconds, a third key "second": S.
{"hour": 7, "minute": 11}
